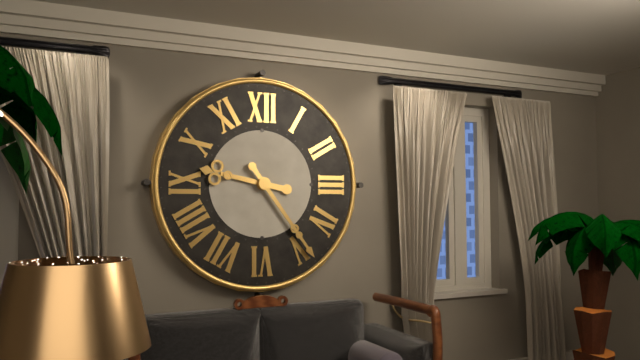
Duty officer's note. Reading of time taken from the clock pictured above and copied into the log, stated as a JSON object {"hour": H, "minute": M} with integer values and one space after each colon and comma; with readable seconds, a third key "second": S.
{"hour": 9, "minute": 24}
